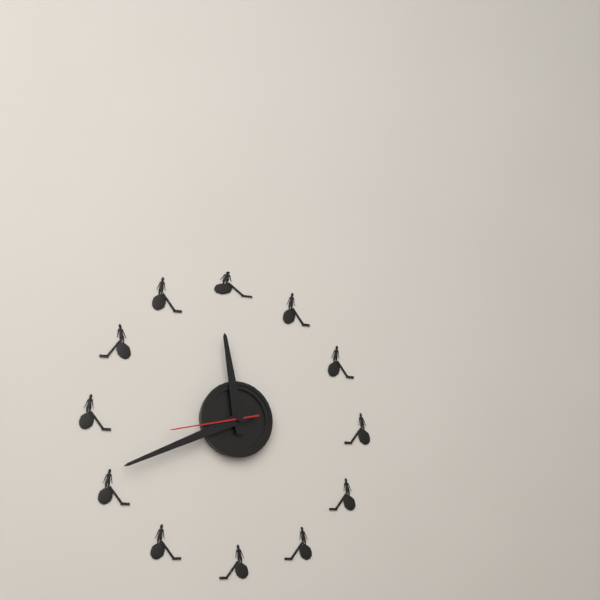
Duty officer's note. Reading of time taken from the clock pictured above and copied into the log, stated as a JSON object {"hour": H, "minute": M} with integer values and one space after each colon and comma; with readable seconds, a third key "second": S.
{"hour": 11, "minute": 41, "second": 43}
